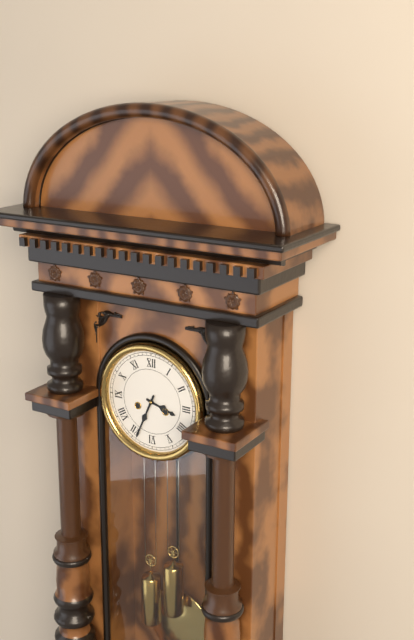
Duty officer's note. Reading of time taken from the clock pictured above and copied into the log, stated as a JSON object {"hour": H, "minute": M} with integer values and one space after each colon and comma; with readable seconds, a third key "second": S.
{"hour": 3, "minute": 34}
